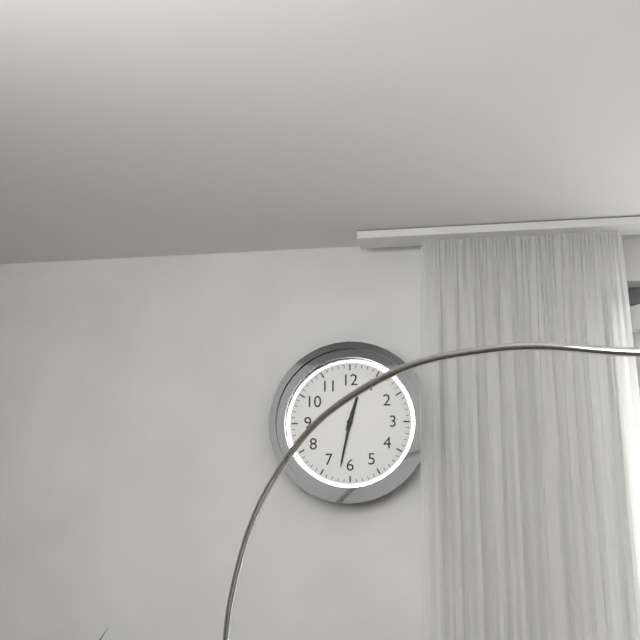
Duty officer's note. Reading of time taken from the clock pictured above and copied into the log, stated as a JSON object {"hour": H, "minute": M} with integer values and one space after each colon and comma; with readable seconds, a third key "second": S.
{"hour": 12, "minute": 32}
